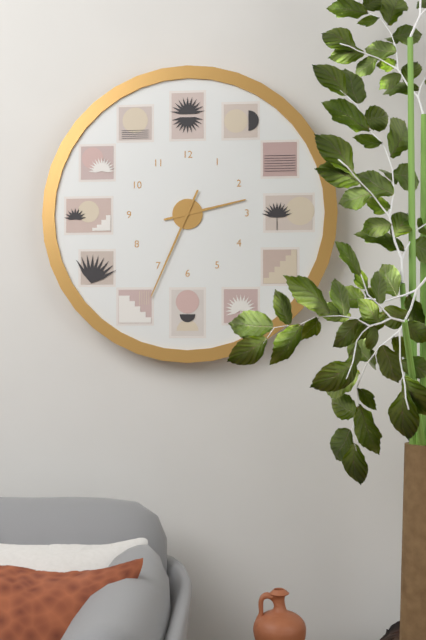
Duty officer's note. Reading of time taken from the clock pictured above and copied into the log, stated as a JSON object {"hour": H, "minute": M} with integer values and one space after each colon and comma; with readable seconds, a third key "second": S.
{"hour": 2, "minute": 34}
